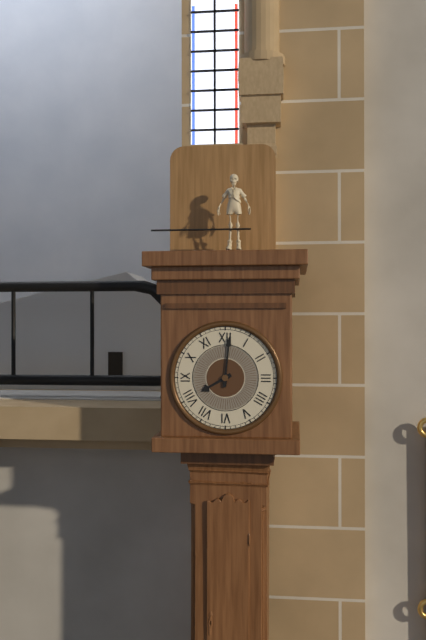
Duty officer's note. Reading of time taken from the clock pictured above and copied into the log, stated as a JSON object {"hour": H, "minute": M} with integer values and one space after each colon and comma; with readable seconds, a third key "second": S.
{"hour": 8, "minute": 1}
